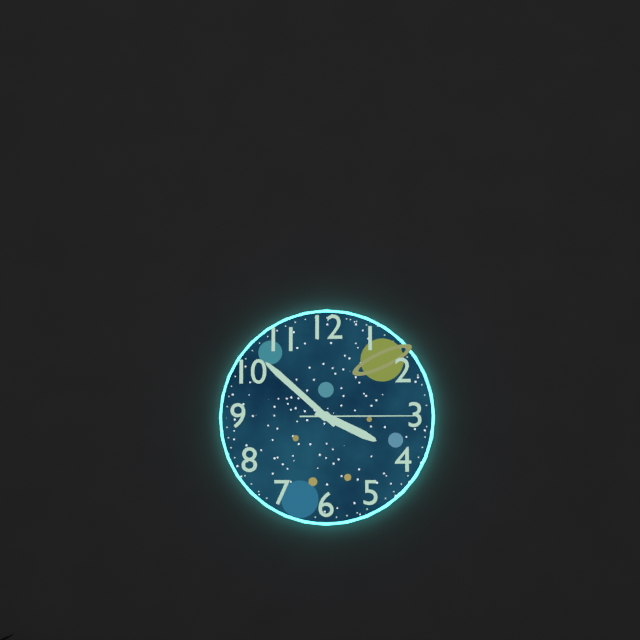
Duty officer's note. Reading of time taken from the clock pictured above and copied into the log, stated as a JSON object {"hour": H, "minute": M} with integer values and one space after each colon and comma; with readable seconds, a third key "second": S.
{"hour": 3, "minute": 52, "second": 15}
